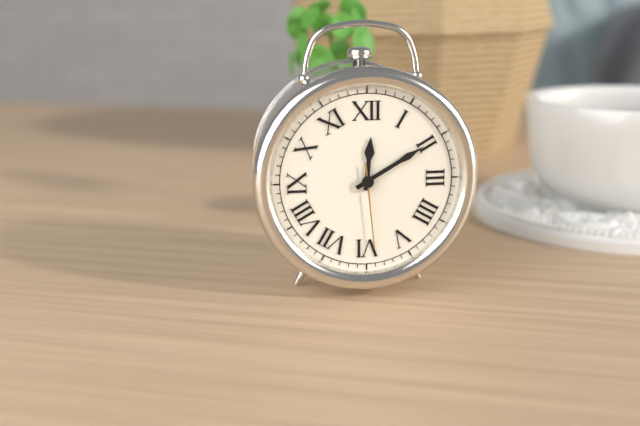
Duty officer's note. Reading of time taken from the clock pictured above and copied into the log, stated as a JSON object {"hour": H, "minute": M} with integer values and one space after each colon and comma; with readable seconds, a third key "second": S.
{"hour": 12, "minute": 10, "second": 29}
